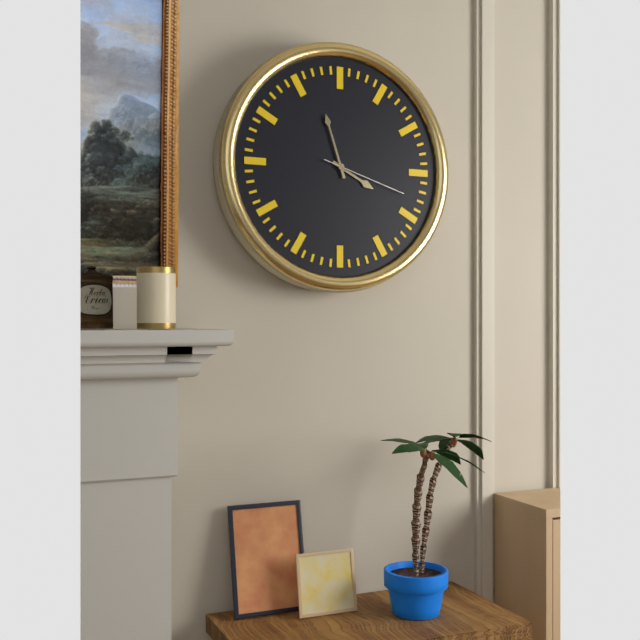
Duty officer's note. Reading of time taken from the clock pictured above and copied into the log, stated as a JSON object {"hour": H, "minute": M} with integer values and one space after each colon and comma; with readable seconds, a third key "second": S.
{"hour": 3, "minute": 57, "second": 18}
